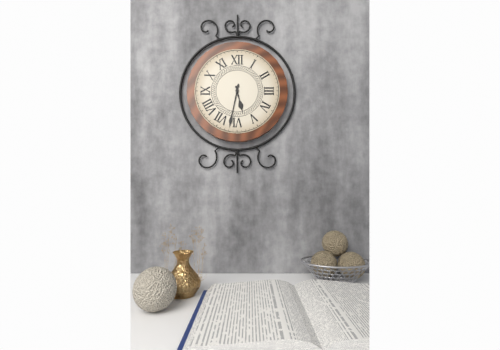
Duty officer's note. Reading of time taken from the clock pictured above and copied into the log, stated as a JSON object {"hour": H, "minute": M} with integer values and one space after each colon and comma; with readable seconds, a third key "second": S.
{"hour": 5, "minute": 32}
